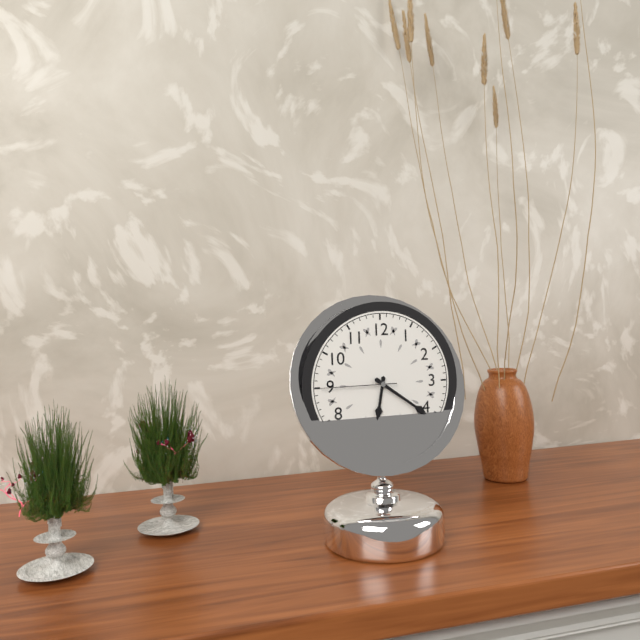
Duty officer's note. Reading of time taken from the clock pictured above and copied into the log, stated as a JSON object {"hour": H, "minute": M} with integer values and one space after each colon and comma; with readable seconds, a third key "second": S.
{"hour": 6, "minute": 21, "second": 45}
